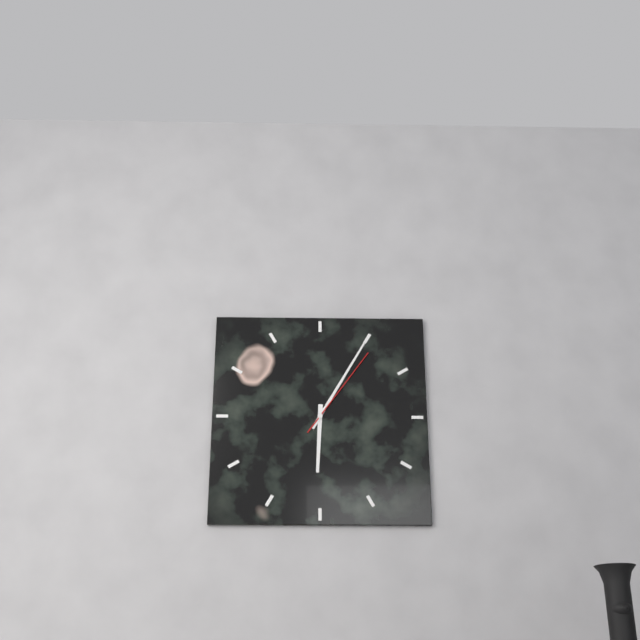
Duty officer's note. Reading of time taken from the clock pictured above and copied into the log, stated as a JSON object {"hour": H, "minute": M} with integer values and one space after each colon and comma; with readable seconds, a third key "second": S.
{"hour": 6, "minute": 5, "second": 6}
